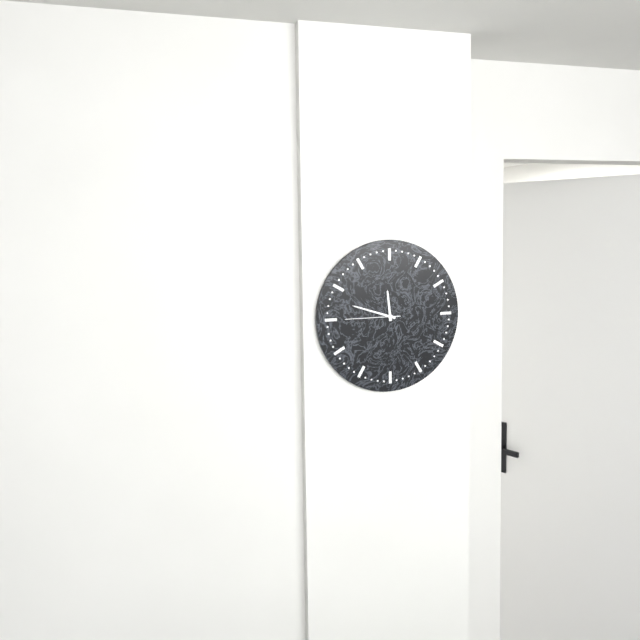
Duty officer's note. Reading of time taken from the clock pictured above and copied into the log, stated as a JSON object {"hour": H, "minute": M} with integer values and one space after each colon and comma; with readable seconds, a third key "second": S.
{"hour": 11, "minute": 48, "second": 45}
